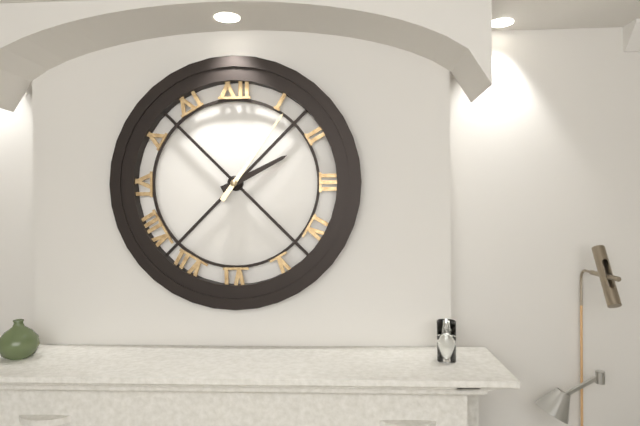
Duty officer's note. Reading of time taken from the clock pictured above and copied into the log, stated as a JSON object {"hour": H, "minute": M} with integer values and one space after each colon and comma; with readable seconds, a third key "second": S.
{"hour": 2, "minute": 6}
